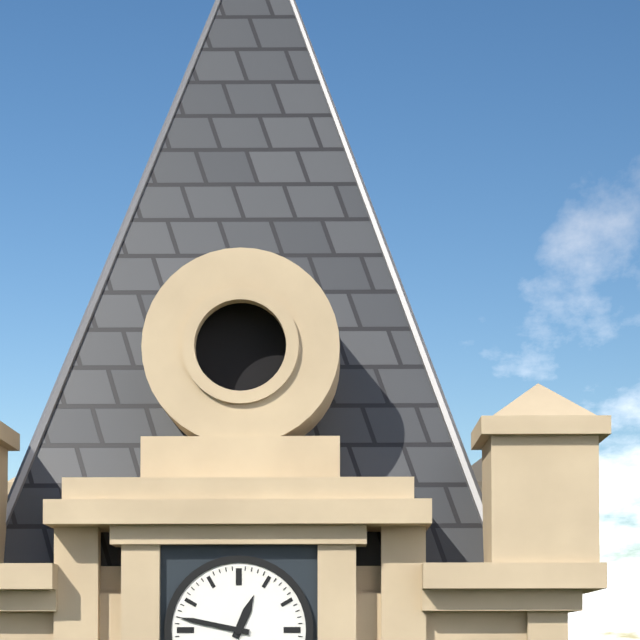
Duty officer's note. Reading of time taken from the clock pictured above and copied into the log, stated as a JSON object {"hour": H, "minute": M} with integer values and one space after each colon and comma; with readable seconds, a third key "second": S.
{"hour": 12, "minute": 47}
